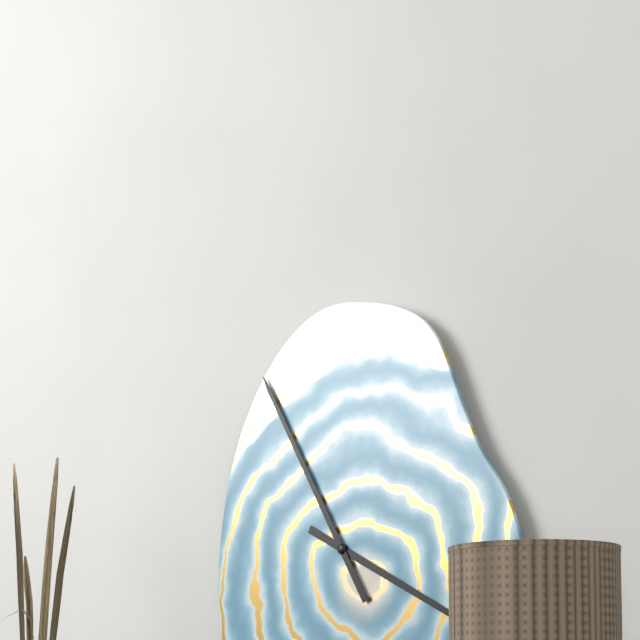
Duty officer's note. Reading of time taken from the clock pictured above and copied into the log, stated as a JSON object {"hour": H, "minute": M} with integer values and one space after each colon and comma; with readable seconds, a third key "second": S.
{"hour": 3, "minute": 55}
